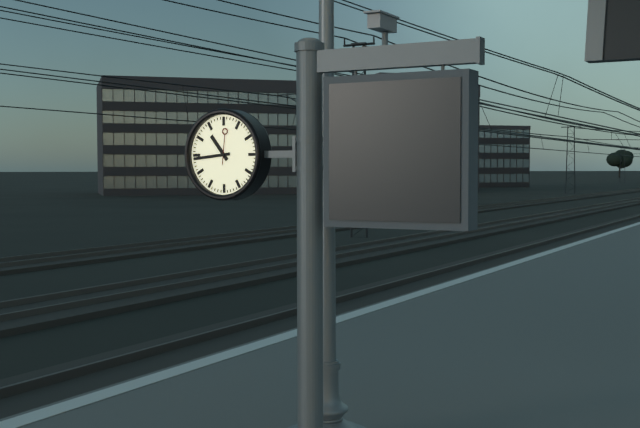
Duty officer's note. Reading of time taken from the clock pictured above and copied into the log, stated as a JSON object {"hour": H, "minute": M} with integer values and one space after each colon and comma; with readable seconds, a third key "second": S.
{"hour": 10, "minute": 44}
